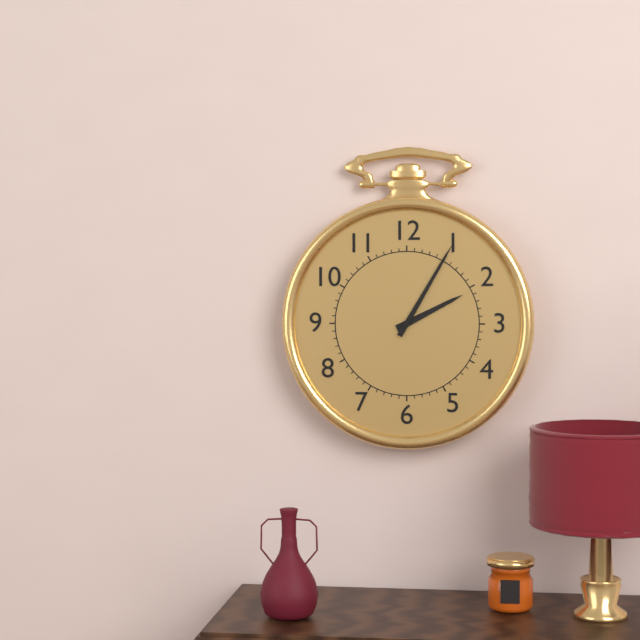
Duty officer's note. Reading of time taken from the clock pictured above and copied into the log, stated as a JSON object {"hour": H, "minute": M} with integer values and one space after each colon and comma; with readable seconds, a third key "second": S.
{"hour": 2, "minute": 5}
